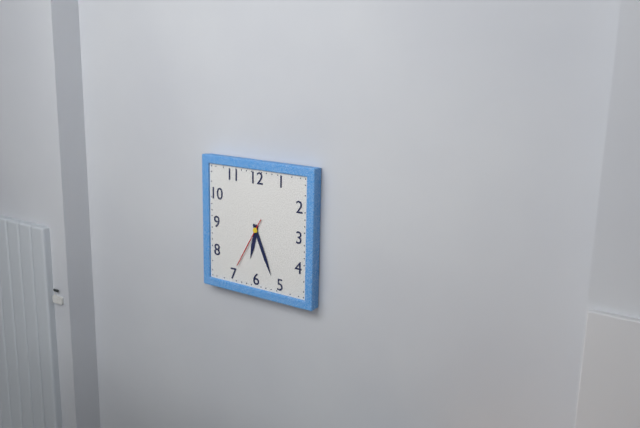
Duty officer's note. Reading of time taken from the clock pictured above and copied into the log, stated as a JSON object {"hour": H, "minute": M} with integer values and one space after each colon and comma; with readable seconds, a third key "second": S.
{"hour": 6, "minute": 26, "second": 35}
